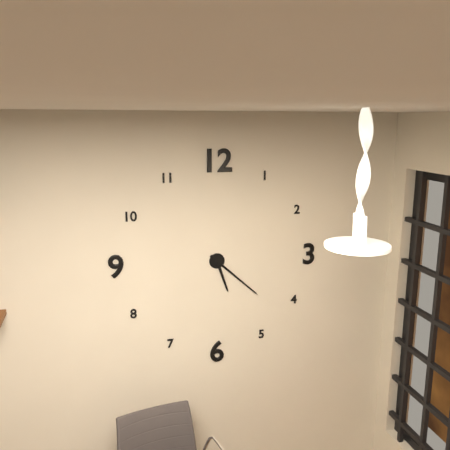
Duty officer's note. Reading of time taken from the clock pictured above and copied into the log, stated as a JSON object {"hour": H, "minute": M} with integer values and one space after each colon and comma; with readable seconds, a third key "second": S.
{"hour": 5, "minute": 22}
